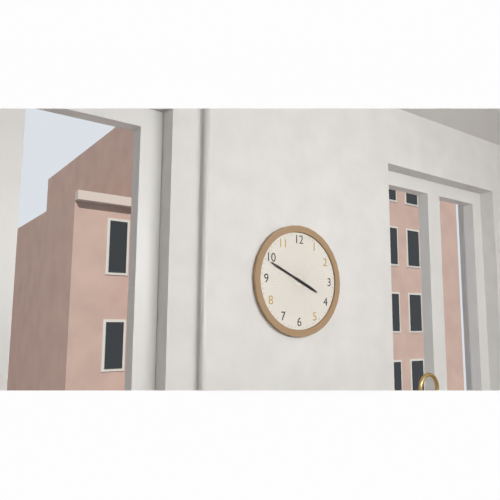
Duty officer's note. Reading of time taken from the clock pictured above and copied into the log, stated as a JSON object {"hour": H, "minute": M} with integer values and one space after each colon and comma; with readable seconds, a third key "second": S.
{"hour": 3, "minute": 49}
